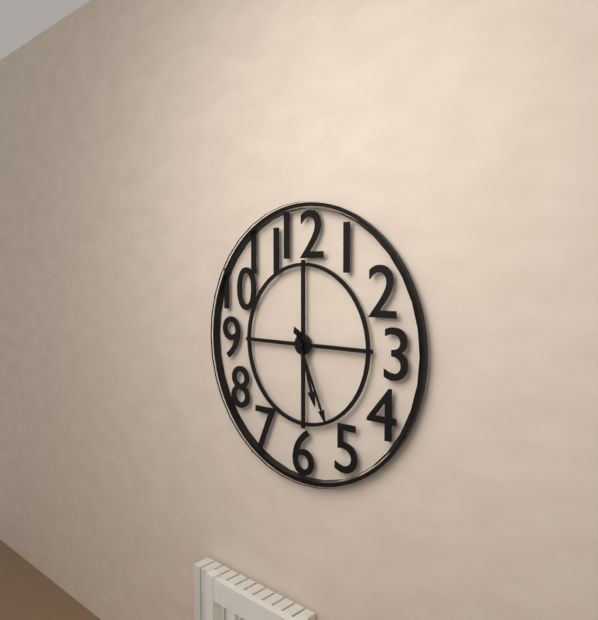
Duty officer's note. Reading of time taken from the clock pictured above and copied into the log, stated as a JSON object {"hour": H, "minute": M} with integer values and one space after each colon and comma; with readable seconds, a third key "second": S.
{"hour": 5, "minute": 26}
